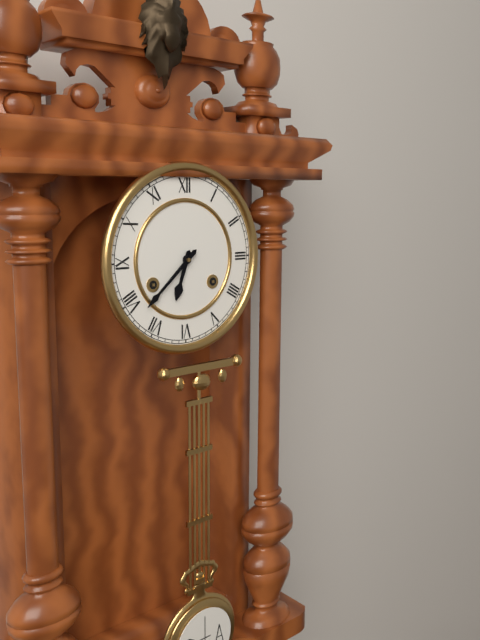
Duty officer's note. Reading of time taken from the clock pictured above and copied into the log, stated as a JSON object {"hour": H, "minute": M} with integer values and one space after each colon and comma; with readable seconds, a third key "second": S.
{"hour": 6, "minute": 38}
